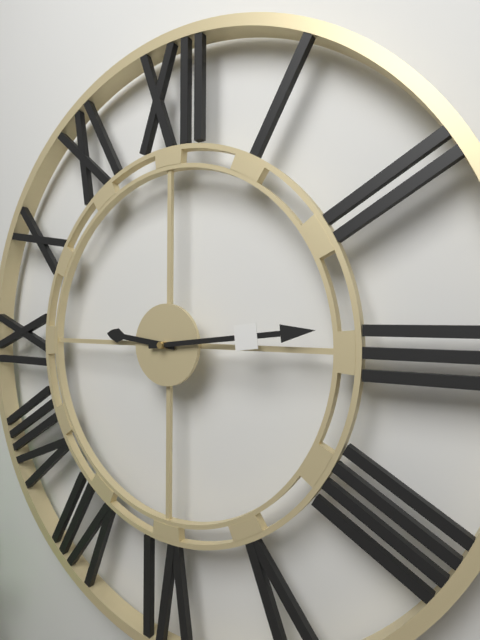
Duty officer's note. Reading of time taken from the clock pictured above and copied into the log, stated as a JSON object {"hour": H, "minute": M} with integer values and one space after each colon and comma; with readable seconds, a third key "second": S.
{"hour": 9, "minute": 14}
